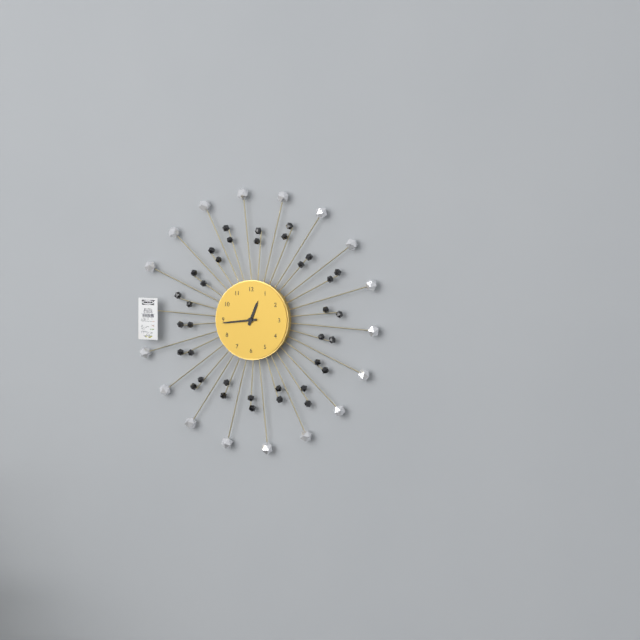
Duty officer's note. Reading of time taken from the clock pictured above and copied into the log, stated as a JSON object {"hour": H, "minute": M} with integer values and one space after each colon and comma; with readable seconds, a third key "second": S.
{"hour": 12, "minute": 44}
